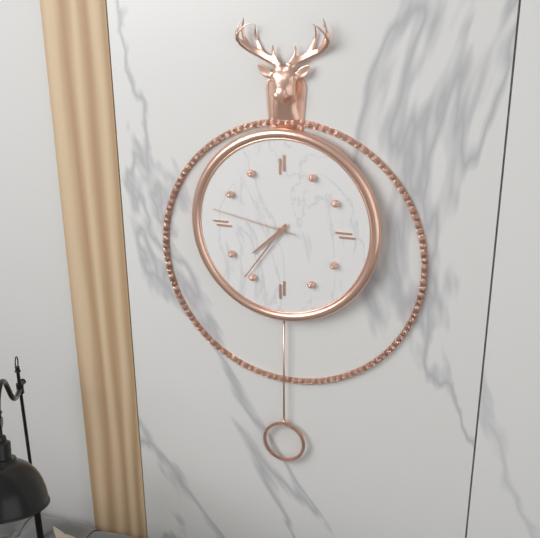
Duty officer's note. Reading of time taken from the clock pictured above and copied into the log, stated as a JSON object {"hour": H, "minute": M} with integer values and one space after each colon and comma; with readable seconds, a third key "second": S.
{"hour": 7, "minute": 36, "second": 47}
